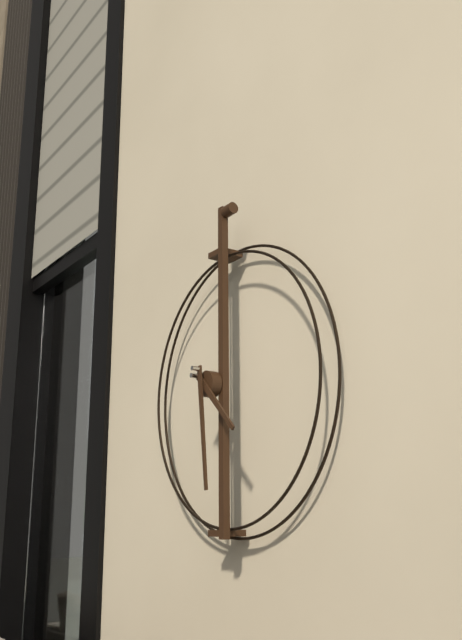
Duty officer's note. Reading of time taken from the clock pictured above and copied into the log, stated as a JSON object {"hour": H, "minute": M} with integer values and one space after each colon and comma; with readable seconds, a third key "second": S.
{"hour": 4, "minute": 29}
